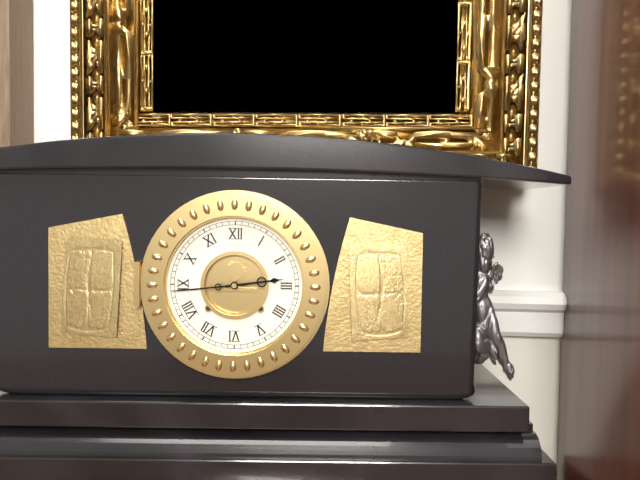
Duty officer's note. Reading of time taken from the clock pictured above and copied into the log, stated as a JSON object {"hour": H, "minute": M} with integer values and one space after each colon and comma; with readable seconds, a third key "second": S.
{"hour": 2, "minute": 44}
